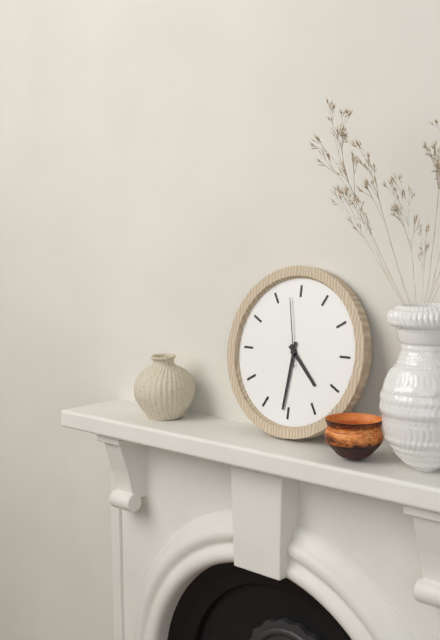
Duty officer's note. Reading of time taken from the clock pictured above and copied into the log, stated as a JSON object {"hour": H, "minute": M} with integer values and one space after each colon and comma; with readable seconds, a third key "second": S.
{"hour": 4, "minute": 31, "second": 58}
